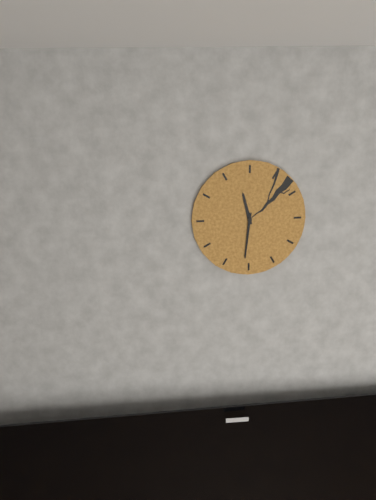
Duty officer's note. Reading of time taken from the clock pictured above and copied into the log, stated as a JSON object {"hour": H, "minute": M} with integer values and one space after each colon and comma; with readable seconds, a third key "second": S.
{"hour": 11, "minute": 31}
